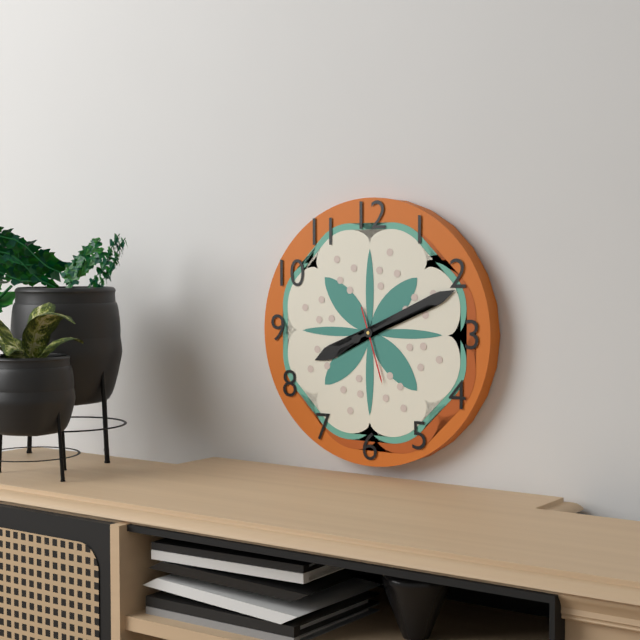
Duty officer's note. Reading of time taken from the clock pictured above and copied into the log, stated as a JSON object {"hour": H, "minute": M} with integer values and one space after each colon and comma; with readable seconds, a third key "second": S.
{"hour": 8, "minute": 11, "second": 27}
